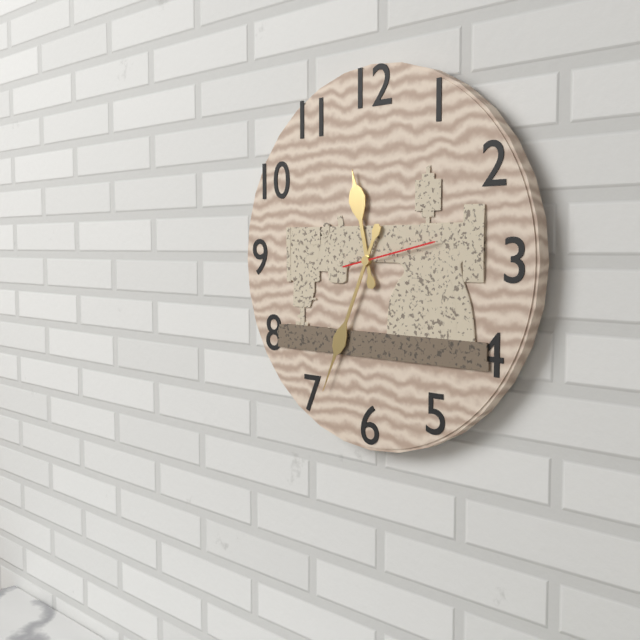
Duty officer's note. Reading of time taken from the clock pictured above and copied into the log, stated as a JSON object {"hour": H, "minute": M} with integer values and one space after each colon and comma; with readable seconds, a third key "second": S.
{"hour": 11, "minute": 34, "second": 13}
